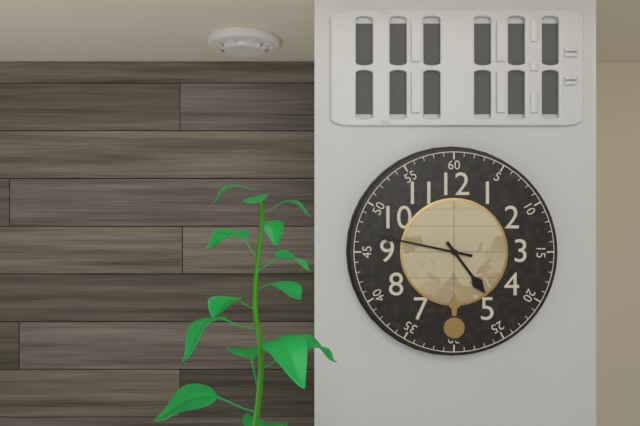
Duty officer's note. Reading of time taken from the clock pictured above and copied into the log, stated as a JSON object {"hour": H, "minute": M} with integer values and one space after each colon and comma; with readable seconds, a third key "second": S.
{"hour": 4, "minute": 47}
